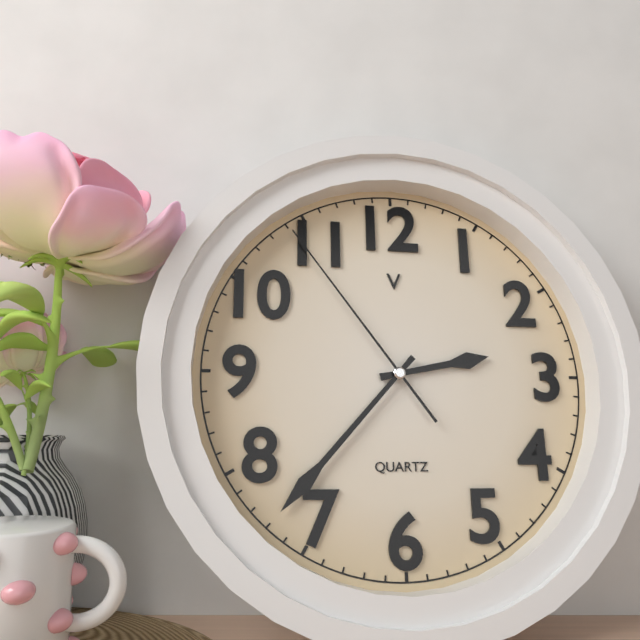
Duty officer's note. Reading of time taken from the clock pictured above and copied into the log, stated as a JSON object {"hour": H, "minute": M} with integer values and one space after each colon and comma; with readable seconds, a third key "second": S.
{"hour": 2, "minute": 37, "second": 54}
